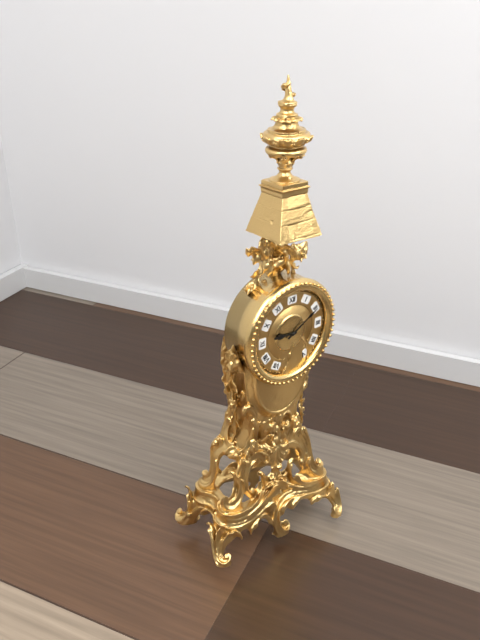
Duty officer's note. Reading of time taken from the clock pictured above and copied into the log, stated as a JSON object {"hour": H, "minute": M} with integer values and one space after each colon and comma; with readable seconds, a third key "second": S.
{"hour": 9, "minute": 10}
